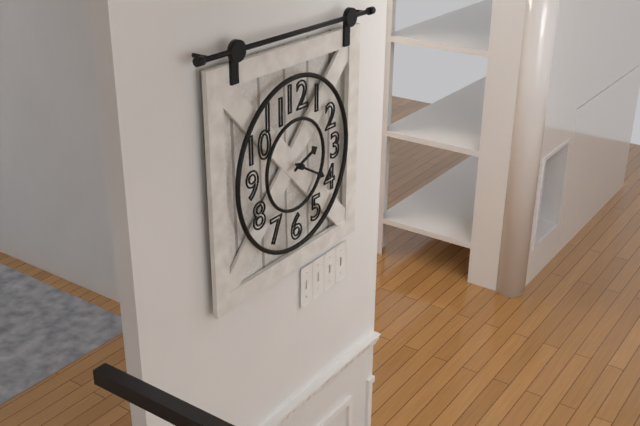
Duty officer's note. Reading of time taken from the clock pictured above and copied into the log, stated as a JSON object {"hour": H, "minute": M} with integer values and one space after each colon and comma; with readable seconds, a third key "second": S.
{"hour": 2, "minute": 20}
